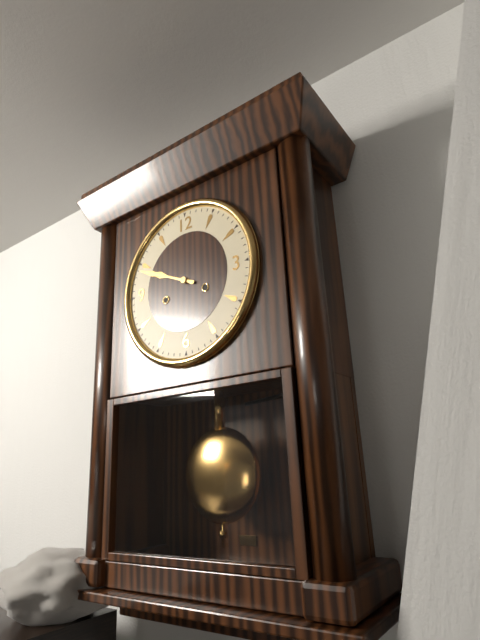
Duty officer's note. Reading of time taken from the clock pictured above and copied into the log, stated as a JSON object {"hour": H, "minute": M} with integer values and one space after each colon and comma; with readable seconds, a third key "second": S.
{"hour": 9, "minute": 49}
